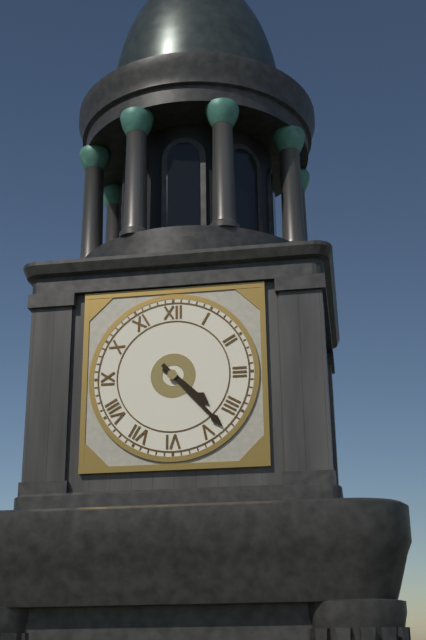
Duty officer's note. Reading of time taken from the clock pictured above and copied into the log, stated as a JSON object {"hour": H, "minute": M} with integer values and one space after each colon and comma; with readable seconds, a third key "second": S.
{"hour": 4, "minute": 23}
